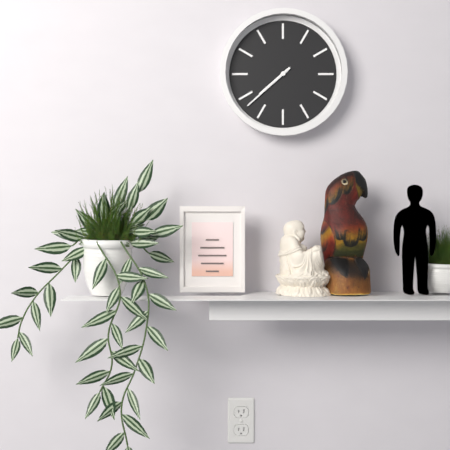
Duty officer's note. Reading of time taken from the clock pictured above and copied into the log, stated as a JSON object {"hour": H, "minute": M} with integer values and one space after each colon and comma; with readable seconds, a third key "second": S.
{"hour": 7, "minute": 38}
